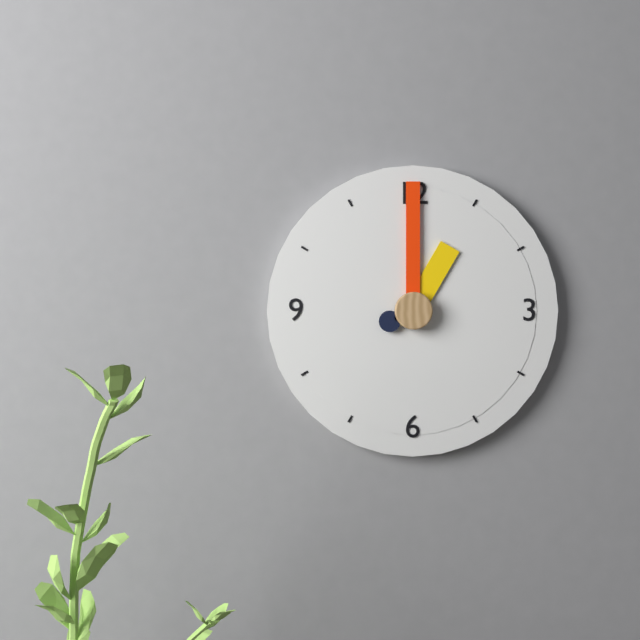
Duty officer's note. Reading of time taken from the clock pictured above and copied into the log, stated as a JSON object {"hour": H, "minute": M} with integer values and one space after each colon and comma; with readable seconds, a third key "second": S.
{"hour": 1, "minute": 0}
